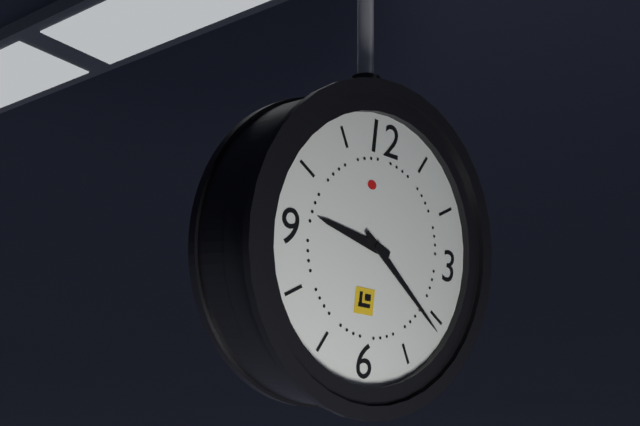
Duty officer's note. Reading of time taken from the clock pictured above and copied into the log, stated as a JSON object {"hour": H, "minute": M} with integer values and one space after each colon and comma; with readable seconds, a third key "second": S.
{"hour": 9, "minute": 21}
